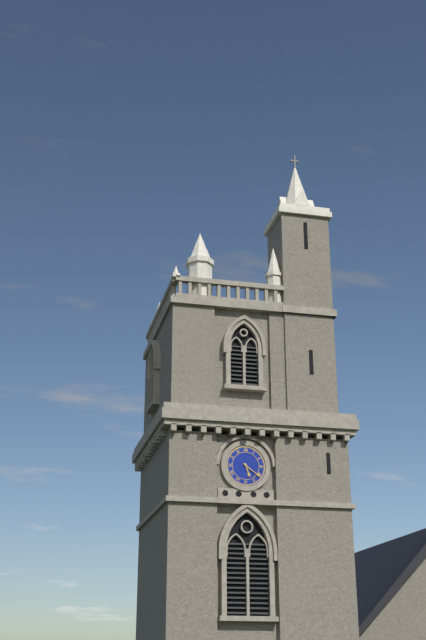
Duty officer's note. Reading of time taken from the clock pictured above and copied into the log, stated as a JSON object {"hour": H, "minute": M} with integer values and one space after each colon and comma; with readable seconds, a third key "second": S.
{"hour": 5, "minute": 21}
